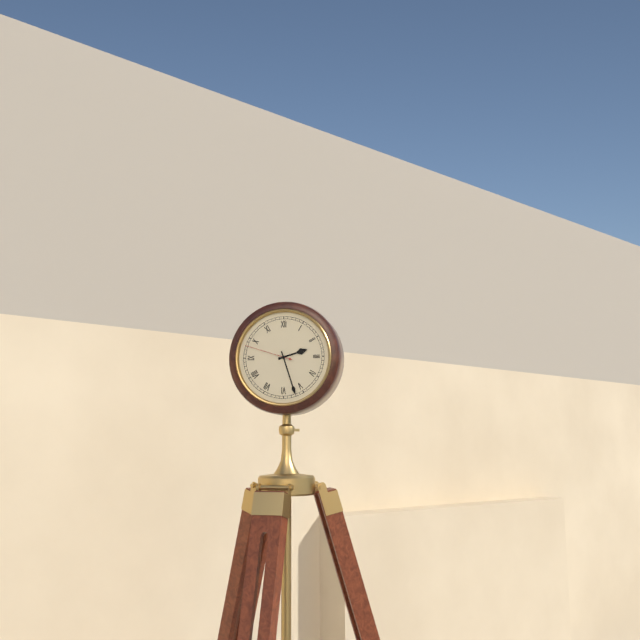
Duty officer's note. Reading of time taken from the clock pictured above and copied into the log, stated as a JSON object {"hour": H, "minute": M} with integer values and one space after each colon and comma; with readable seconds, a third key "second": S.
{"hour": 2, "minute": 27, "second": 48}
